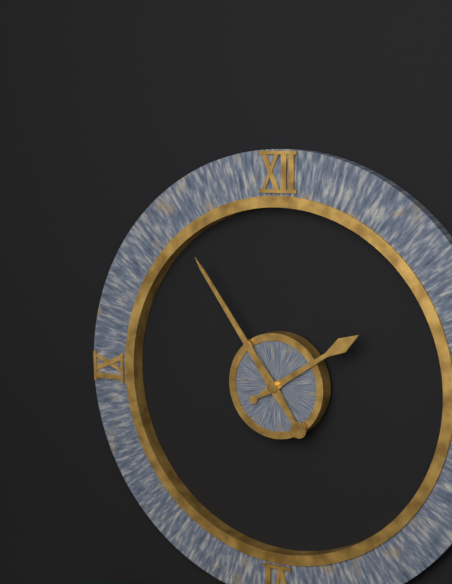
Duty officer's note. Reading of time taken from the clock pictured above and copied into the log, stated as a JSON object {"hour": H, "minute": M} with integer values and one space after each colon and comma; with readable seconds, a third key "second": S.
{"hour": 1, "minute": 54}
